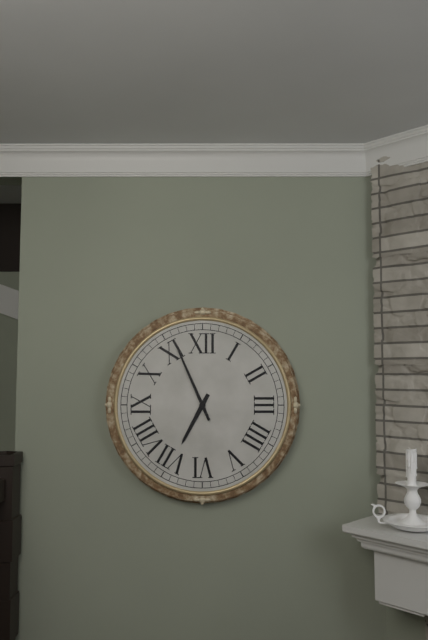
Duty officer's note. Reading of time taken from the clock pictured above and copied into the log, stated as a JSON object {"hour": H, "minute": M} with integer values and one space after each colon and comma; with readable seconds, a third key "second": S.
{"hour": 6, "minute": 56}
